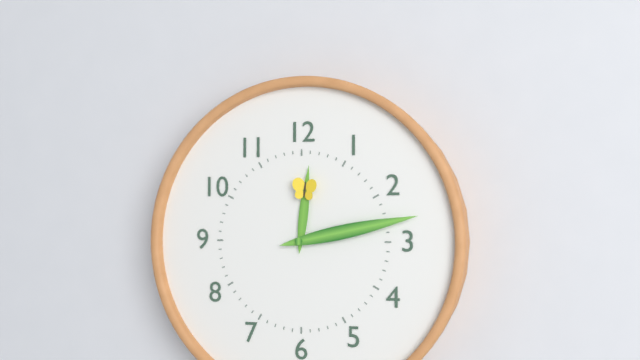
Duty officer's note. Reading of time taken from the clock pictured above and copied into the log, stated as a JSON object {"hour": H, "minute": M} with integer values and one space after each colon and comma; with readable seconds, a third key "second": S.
{"hour": 12, "minute": 13}
